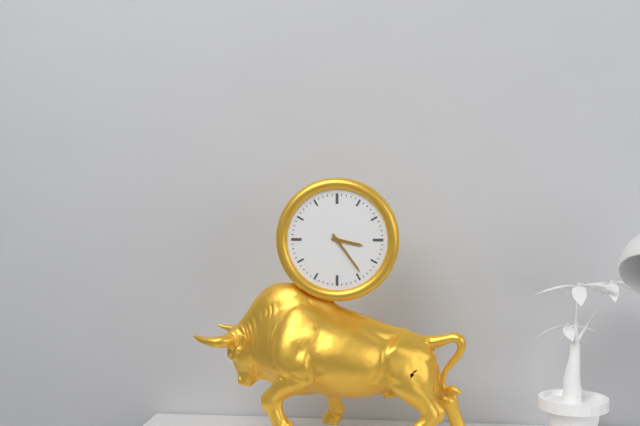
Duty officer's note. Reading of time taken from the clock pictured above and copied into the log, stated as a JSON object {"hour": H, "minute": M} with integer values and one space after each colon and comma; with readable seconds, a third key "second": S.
{"hour": 3, "minute": 24}
